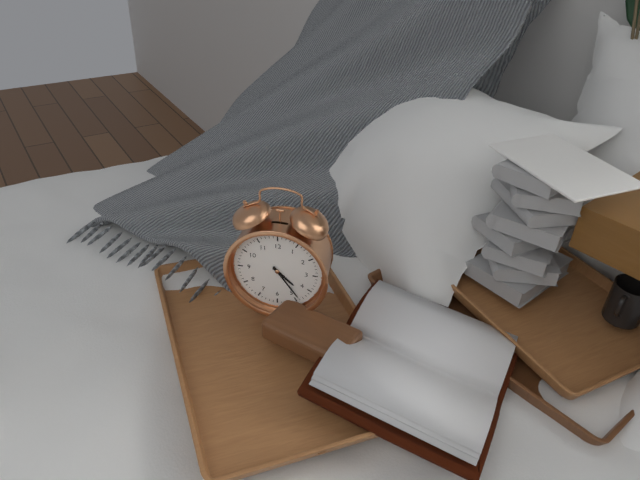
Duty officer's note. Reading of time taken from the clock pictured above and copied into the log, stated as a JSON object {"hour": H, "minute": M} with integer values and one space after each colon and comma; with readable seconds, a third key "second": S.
{"hour": 4, "minute": 24}
